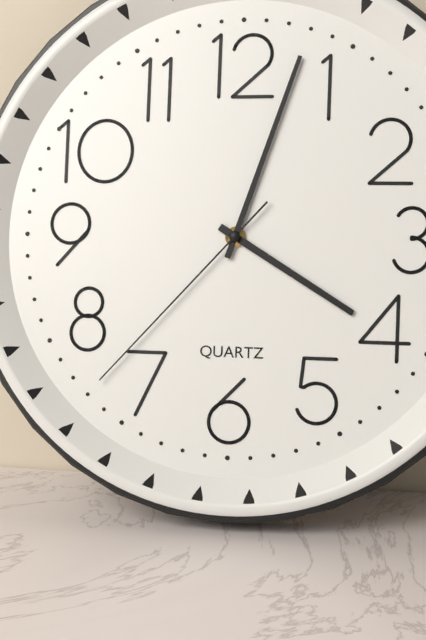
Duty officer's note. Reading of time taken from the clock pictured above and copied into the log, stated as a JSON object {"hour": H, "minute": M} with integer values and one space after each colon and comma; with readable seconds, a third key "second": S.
{"hour": 4, "minute": 3, "second": 37}
